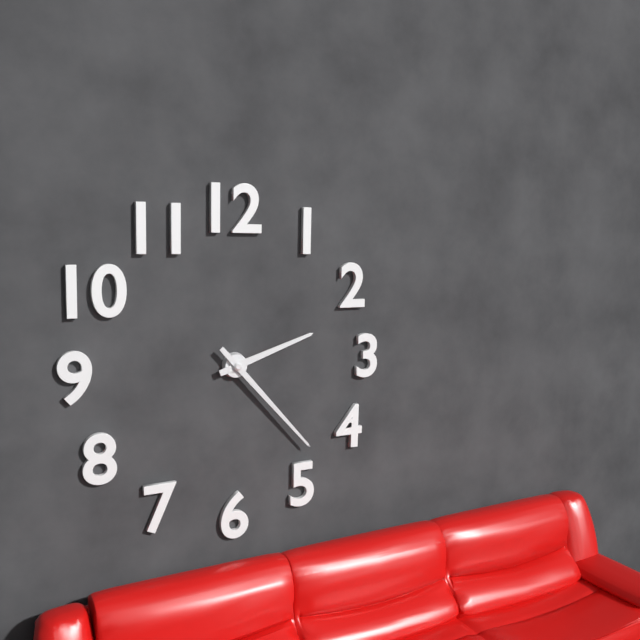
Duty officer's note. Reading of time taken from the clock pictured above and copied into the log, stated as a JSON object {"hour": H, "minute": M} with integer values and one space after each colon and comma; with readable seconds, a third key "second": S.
{"hour": 2, "minute": 23}
